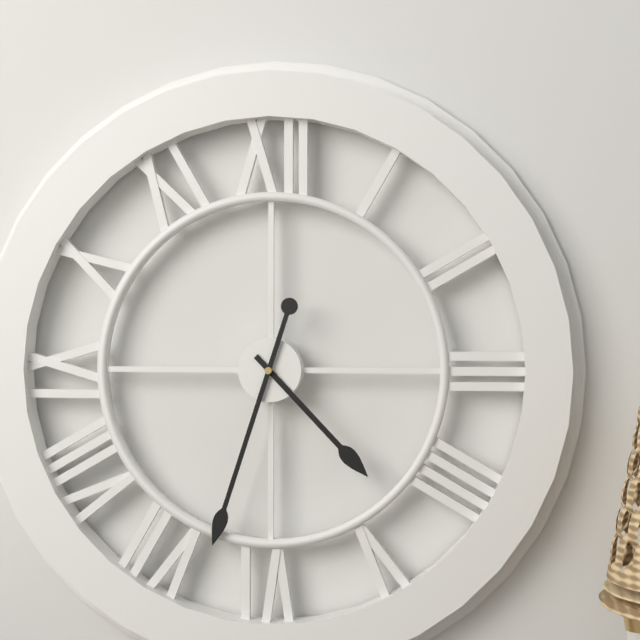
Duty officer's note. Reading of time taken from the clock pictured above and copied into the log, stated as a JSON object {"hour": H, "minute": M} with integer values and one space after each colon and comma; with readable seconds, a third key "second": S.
{"hour": 4, "minute": 33}
